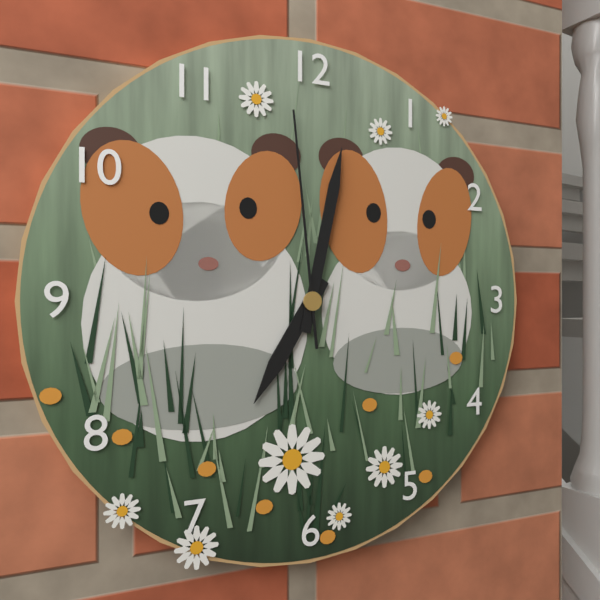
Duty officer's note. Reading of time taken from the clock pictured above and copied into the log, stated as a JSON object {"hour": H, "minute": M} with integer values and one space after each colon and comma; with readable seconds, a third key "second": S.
{"hour": 7, "minute": 2, "second": 59}
